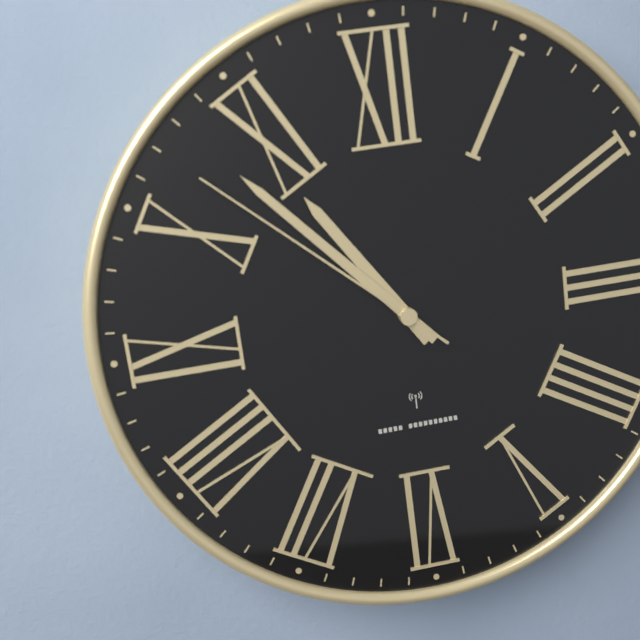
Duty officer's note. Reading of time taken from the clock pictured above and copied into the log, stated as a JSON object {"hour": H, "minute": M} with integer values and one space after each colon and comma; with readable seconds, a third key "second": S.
{"hour": 10, "minute": 53, "second": 52}
